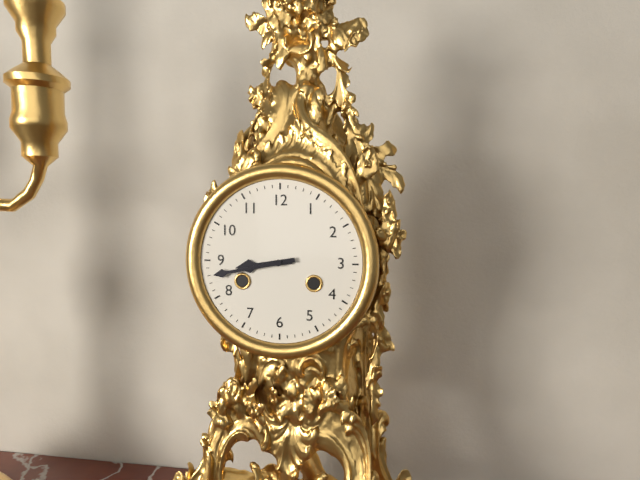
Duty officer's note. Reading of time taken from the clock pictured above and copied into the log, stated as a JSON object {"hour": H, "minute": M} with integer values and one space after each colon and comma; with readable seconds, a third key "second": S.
{"hour": 8, "minute": 43}
